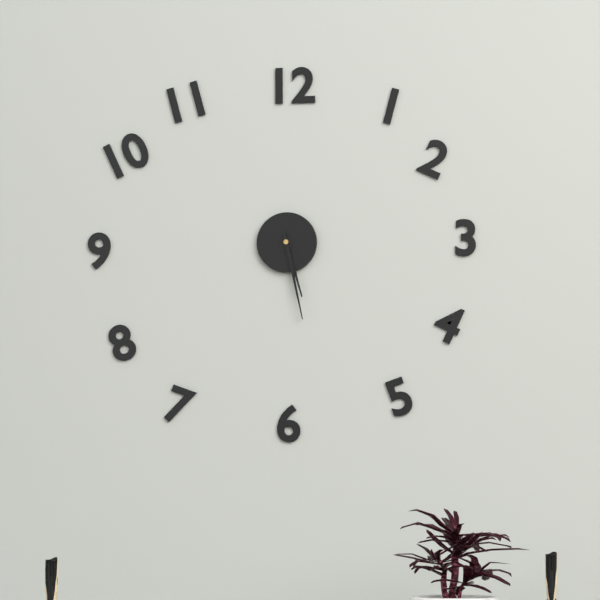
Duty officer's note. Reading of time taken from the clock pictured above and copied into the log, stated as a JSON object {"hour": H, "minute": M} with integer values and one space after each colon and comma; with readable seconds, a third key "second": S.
{"hour": 5, "minute": 28}
